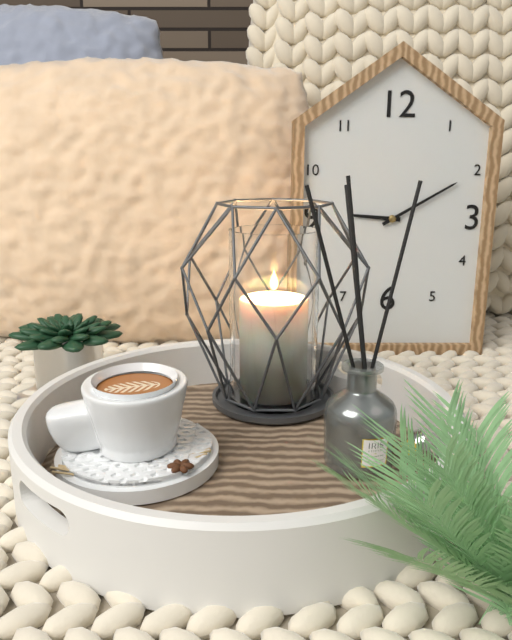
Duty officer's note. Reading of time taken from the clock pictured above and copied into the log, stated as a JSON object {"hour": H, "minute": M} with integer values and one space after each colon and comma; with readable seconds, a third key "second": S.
{"hour": 9, "minute": 10}
